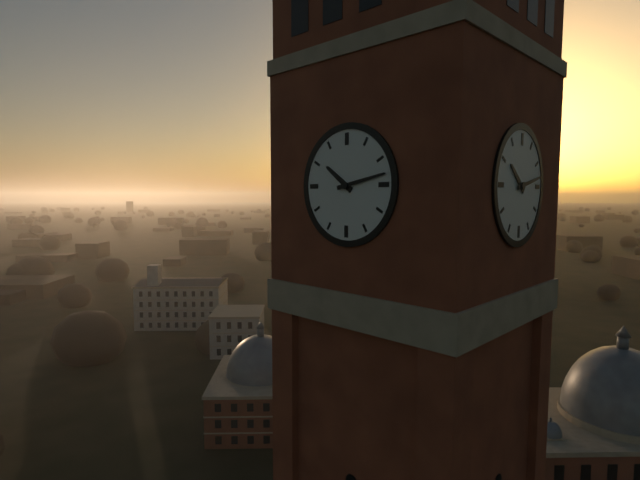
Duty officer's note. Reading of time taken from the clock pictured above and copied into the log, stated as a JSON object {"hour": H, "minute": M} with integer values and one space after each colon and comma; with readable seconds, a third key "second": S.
{"hour": 10, "minute": 13}
